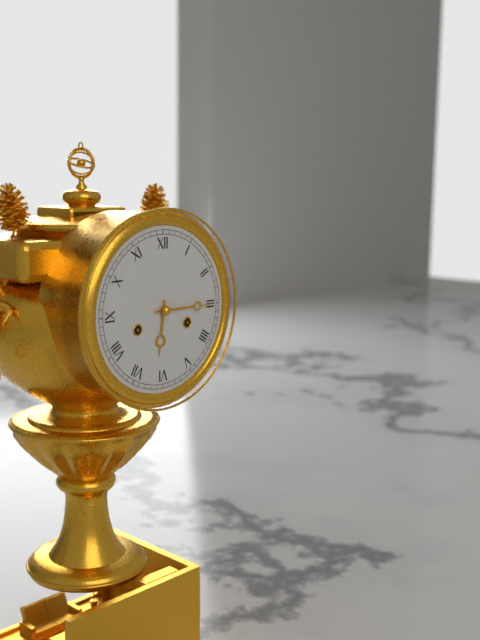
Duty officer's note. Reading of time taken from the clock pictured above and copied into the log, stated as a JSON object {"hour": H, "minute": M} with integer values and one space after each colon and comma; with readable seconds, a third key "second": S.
{"hour": 6, "minute": 15}
